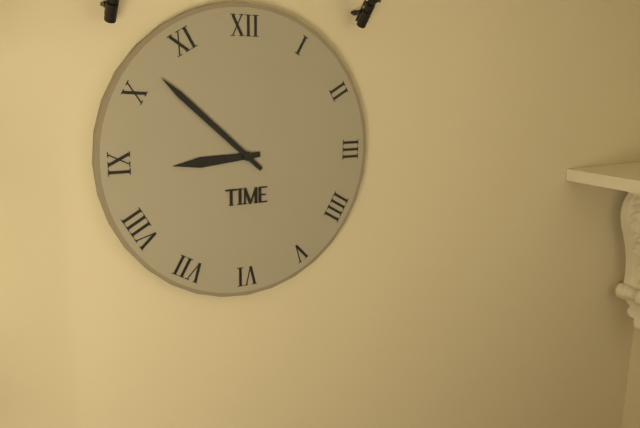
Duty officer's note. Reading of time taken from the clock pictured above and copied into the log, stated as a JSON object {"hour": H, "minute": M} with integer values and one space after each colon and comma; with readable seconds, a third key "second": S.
{"hour": 8, "minute": 52}
